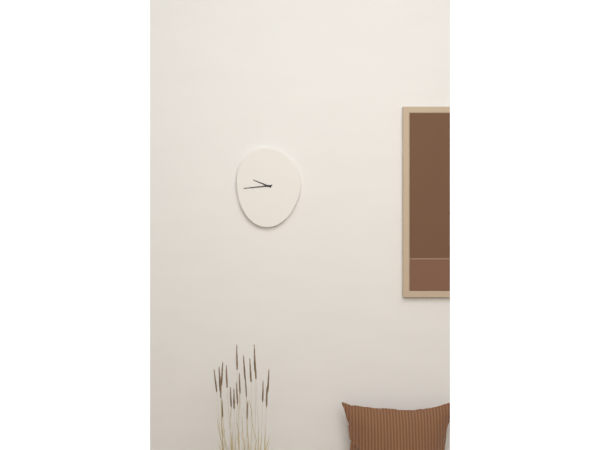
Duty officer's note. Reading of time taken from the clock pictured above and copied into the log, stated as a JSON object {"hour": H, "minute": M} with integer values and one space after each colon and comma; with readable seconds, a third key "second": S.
{"hour": 9, "minute": 44}
